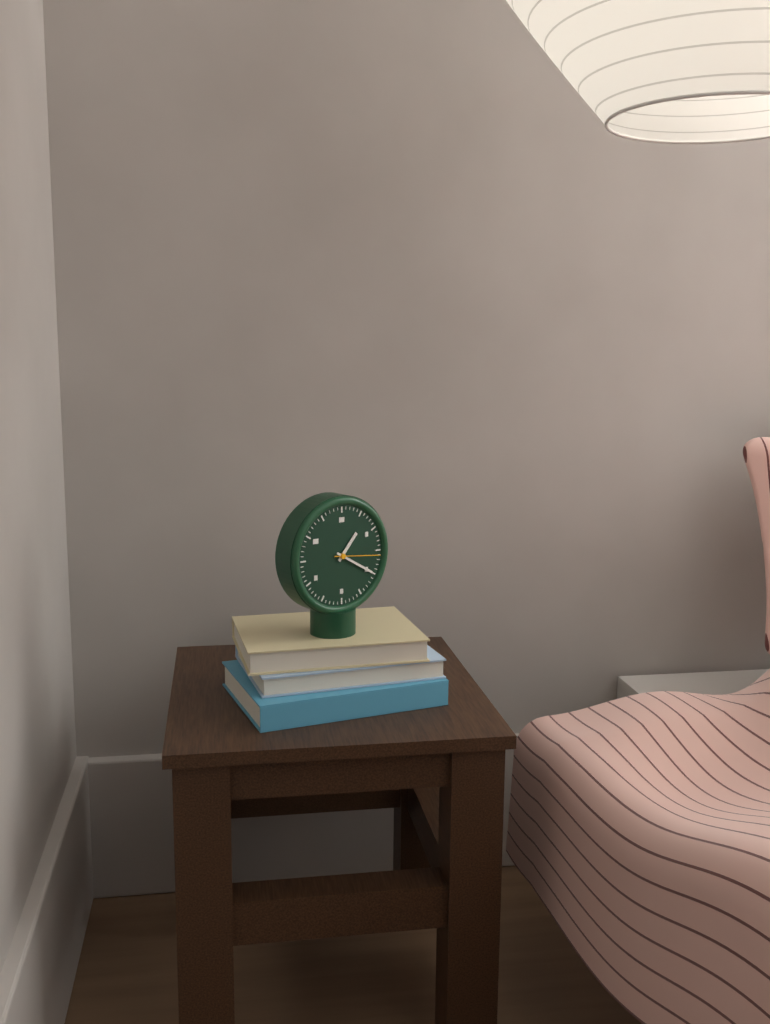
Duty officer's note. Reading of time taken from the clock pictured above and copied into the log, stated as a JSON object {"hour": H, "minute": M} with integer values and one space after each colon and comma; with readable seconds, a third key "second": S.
{"hour": 1, "minute": 20}
